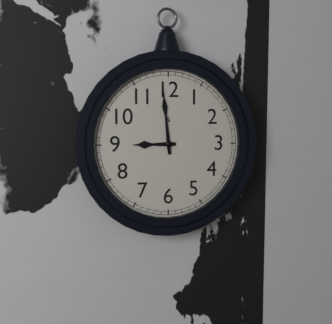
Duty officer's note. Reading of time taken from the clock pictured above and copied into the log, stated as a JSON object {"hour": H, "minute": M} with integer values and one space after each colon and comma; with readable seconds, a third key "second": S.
{"hour": 8, "minute": 59}
